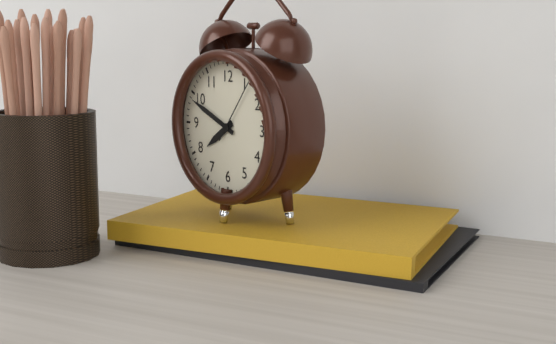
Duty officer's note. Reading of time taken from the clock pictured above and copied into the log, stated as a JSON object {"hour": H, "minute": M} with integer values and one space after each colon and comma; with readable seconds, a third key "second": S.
{"hour": 7, "minute": 49, "second": 6}
